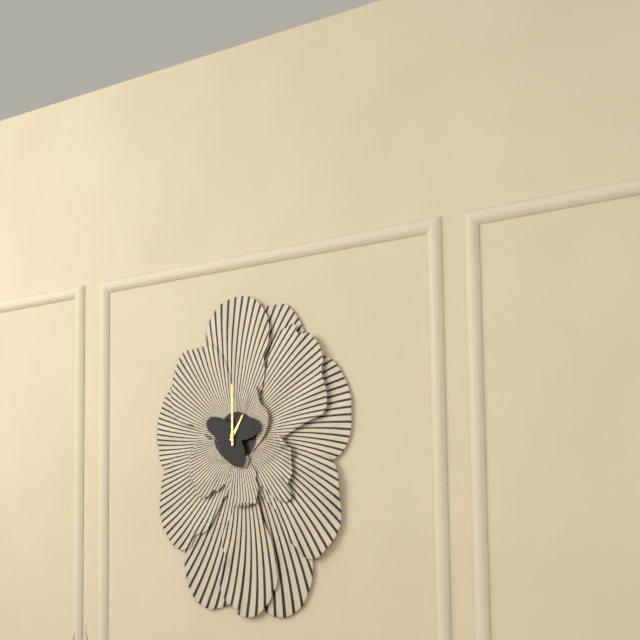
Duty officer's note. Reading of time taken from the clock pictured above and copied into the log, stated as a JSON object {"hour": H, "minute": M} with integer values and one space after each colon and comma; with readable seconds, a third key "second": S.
{"hour": 1, "minute": 0}
